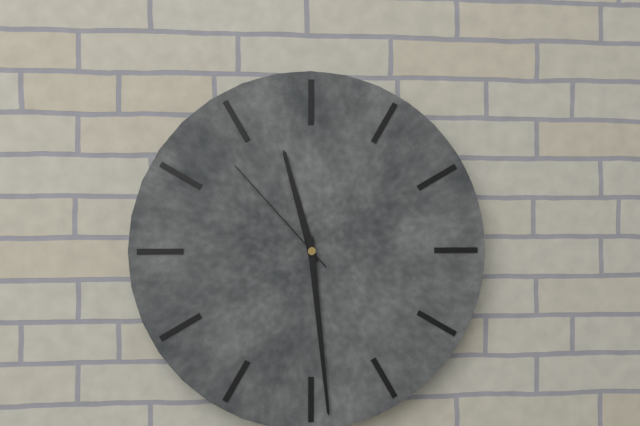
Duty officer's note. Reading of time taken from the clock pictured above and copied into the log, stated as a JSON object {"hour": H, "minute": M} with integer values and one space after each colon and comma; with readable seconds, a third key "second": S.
{"hour": 11, "minute": 29, "second": 53}
